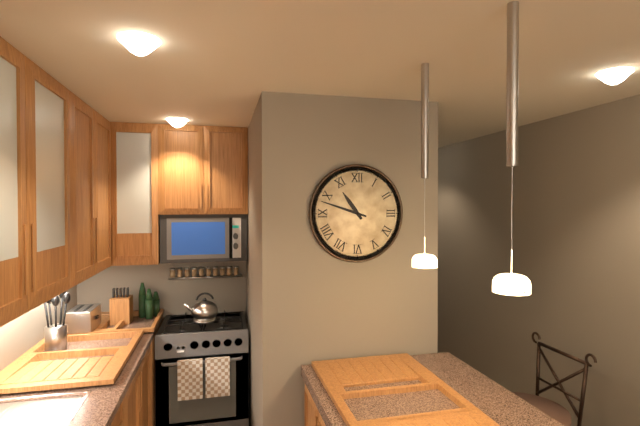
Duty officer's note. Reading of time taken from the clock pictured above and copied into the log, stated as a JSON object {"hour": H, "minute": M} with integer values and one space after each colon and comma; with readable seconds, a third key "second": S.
{"hour": 10, "minute": 48}
